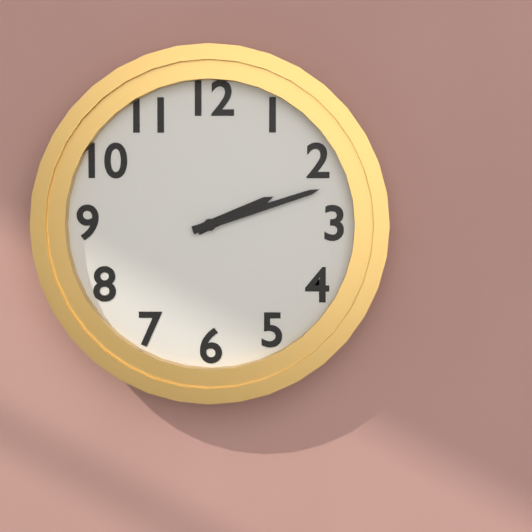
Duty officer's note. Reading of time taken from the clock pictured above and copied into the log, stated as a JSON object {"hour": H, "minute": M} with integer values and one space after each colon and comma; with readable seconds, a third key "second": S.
{"hour": 2, "minute": 12}
